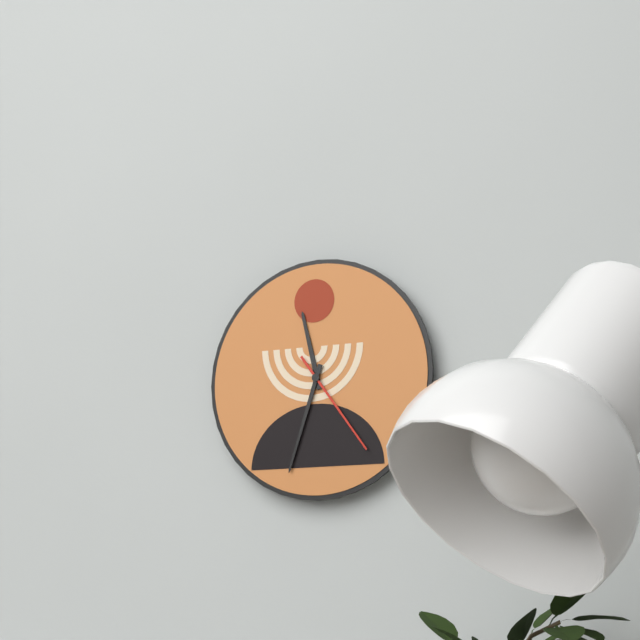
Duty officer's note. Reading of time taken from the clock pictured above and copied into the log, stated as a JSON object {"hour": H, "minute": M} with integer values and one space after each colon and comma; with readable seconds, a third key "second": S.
{"hour": 11, "minute": 33, "second": 24}
